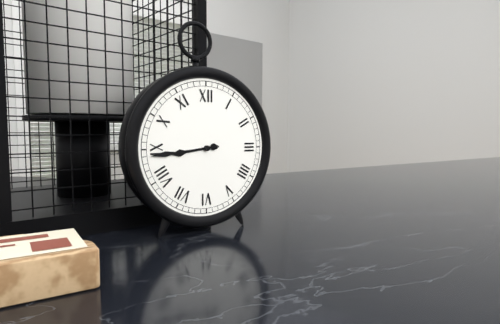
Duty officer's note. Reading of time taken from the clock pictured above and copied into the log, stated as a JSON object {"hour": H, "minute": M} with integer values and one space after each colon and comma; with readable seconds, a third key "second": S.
{"hour": 8, "minute": 44}
